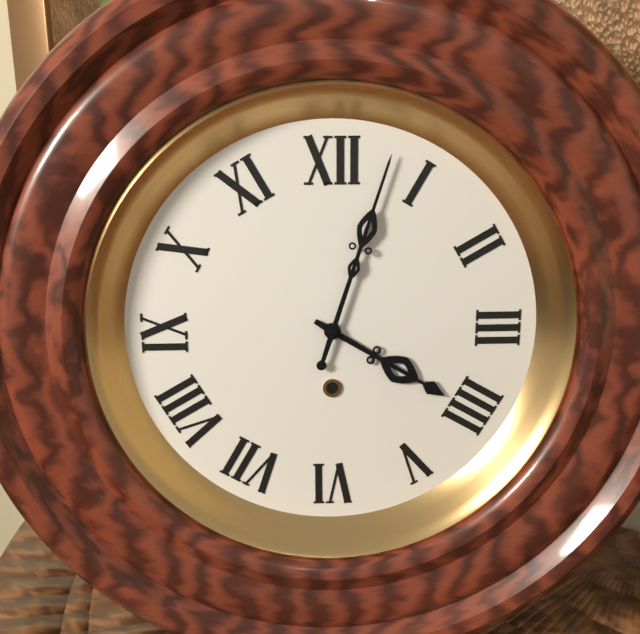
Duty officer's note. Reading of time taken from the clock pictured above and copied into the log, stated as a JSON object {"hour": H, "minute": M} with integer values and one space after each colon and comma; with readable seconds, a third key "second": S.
{"hour": 4, "minute": 3}
